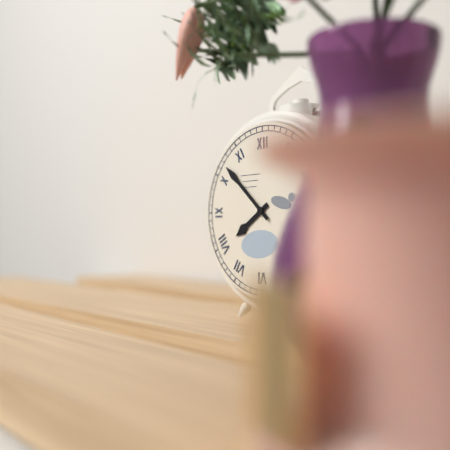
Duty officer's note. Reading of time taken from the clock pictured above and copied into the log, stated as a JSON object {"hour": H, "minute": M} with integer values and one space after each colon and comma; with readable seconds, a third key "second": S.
{"hour": 7, "minute": 52}
